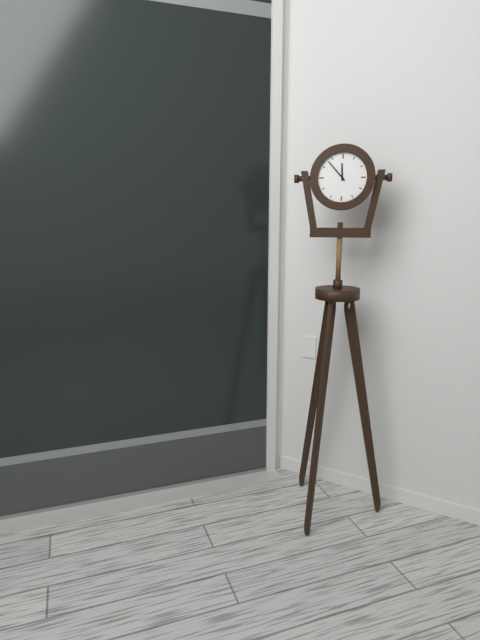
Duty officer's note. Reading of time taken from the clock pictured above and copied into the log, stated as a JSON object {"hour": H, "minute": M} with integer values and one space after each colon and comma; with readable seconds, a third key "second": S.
{"hour": 11, "minute": 53}
